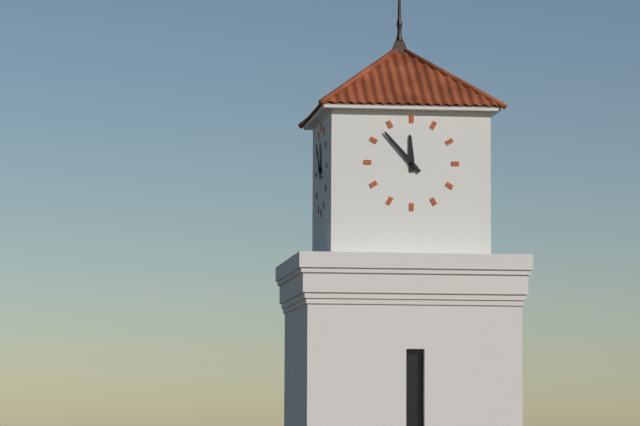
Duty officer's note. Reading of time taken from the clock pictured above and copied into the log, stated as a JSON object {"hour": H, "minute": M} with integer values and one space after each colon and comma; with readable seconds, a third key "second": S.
{"hour": 11, "minute": 53}
